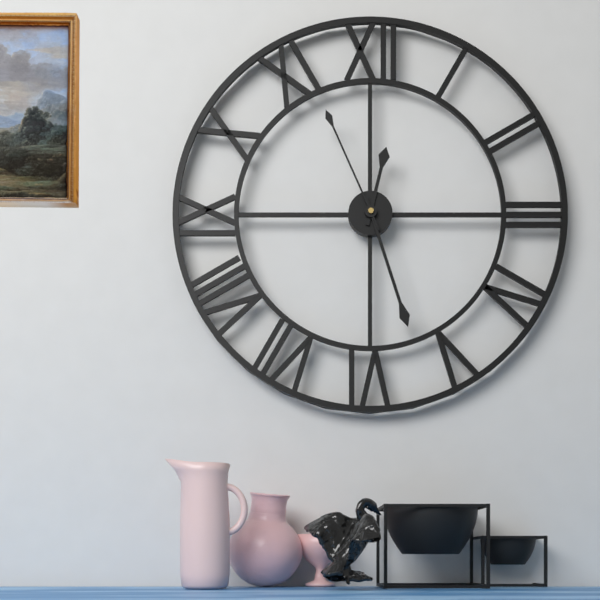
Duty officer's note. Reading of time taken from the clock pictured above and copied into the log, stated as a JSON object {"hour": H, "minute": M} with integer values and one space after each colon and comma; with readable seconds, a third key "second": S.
{"hour": 12, "minute": 27, "second": 56}
